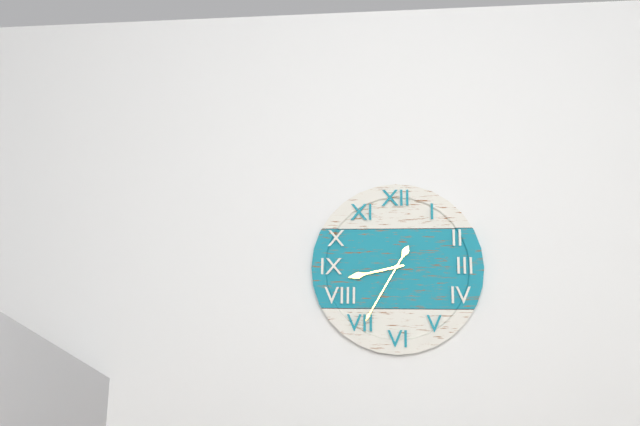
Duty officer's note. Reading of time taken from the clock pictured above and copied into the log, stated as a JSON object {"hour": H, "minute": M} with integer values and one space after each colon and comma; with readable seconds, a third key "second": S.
{"hour": 8, "minute": 35}
